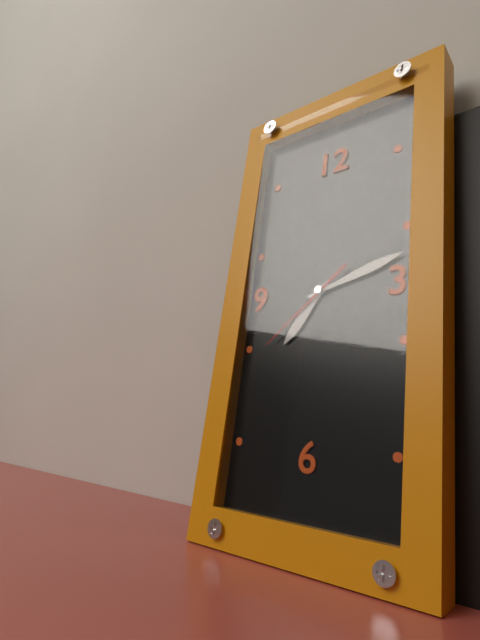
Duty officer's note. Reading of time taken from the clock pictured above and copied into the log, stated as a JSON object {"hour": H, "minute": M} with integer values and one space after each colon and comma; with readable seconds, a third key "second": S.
{"hour": 7, "minute": 12, "second": 38}
